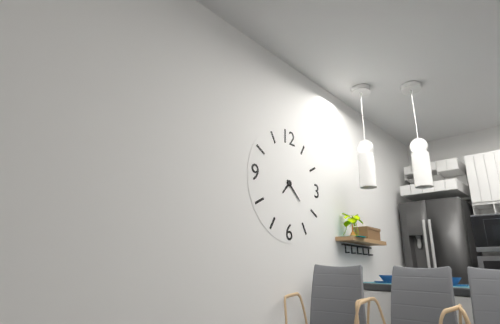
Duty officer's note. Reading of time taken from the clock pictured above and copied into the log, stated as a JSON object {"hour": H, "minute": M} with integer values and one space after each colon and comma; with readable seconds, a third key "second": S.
{"hour": 7, "minute": 22}
